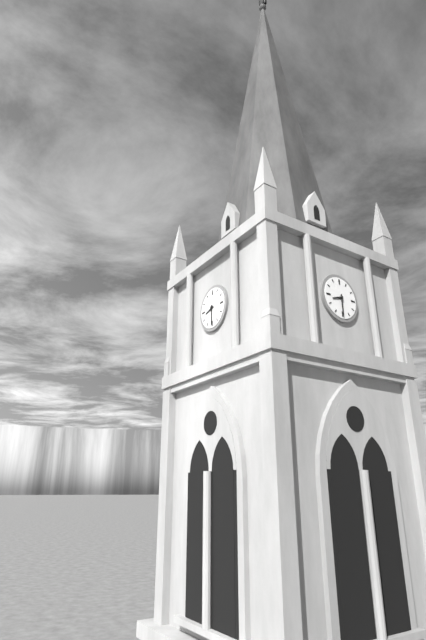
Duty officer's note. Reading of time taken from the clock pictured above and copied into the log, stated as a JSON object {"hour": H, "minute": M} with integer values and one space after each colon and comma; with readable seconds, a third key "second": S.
{"hour": 8, "minute": 30}
